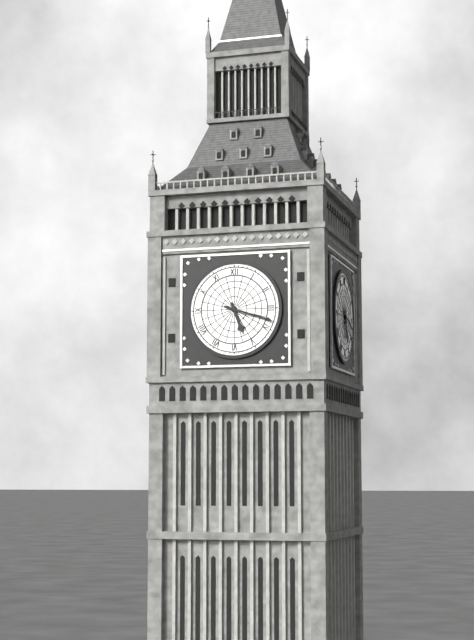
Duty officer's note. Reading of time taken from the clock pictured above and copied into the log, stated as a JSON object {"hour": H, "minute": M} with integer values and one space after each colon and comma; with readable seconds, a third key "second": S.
{"hour": 5, "minute": 18}
